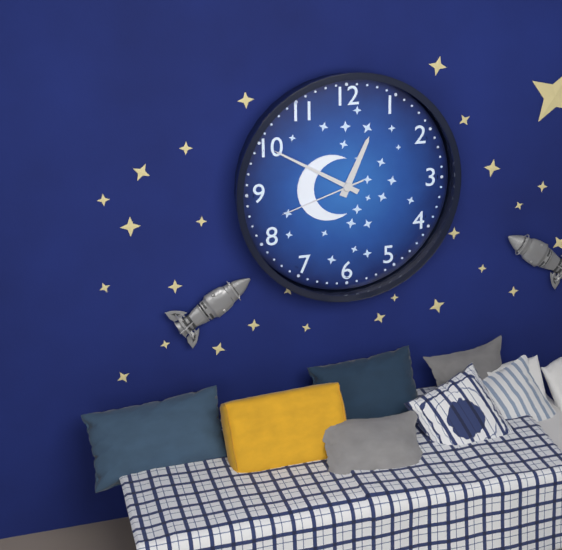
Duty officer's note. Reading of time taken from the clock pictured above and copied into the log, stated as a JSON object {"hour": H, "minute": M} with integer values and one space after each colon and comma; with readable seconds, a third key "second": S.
{"hour": 12, "minute": 50, "second": 42}
